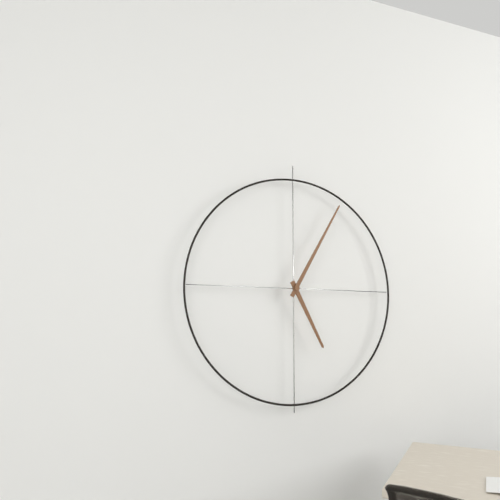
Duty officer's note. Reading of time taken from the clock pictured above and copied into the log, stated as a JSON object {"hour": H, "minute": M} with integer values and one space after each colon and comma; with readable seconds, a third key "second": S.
{"hour": 5, "minute": 5}
